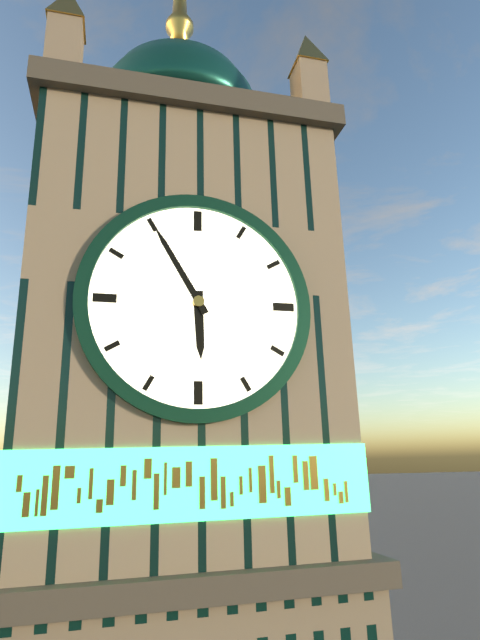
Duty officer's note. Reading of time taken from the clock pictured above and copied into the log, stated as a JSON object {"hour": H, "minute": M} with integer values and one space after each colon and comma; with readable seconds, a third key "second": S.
{"hour": 5, "minute": 55}
